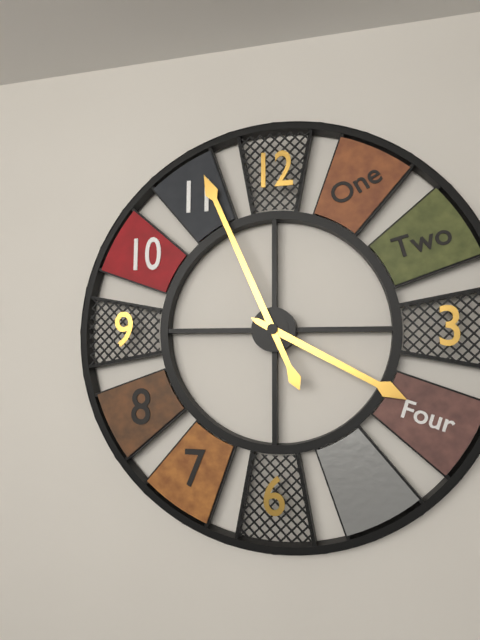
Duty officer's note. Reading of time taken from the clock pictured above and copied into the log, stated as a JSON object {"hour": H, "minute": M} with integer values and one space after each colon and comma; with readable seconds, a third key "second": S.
{"hour": 3, "minute": 56}
